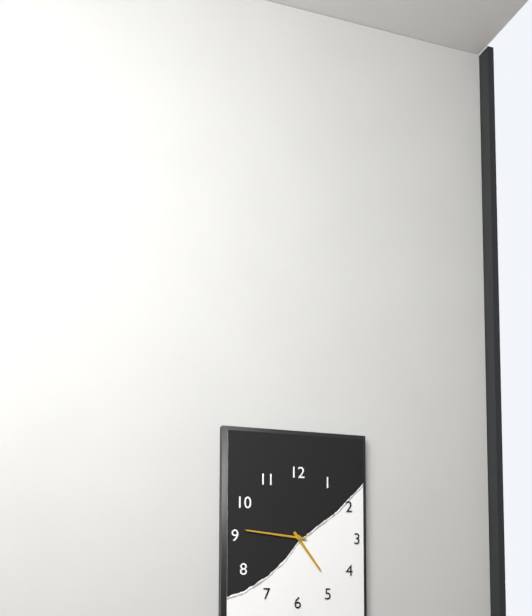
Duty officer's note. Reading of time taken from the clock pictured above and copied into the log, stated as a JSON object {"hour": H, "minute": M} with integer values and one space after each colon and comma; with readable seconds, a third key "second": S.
{"hour": 4, "minute": 46}
